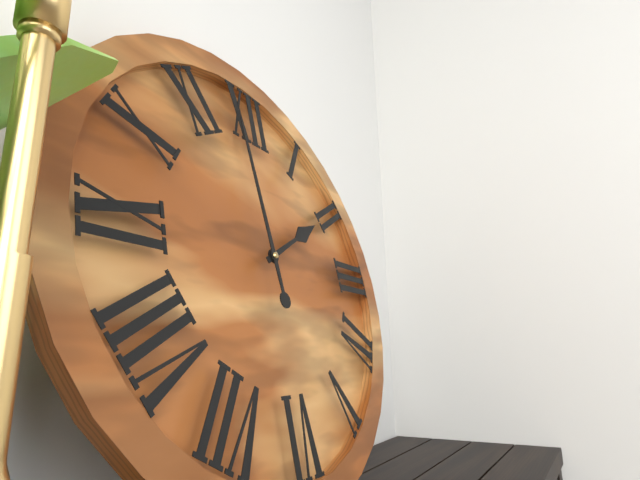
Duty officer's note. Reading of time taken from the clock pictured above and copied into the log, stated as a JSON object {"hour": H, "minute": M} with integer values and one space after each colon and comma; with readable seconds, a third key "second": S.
{"hour": 1, "minute": 59}
